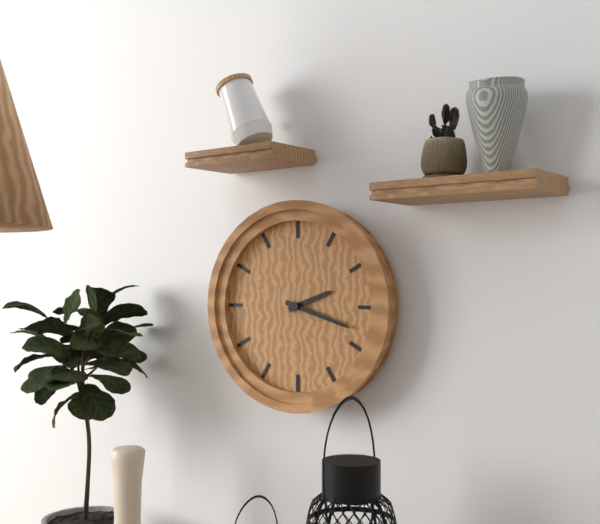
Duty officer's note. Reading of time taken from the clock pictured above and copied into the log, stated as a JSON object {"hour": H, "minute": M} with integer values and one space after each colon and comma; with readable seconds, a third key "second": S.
{"hour": 2, "minute": 18}
